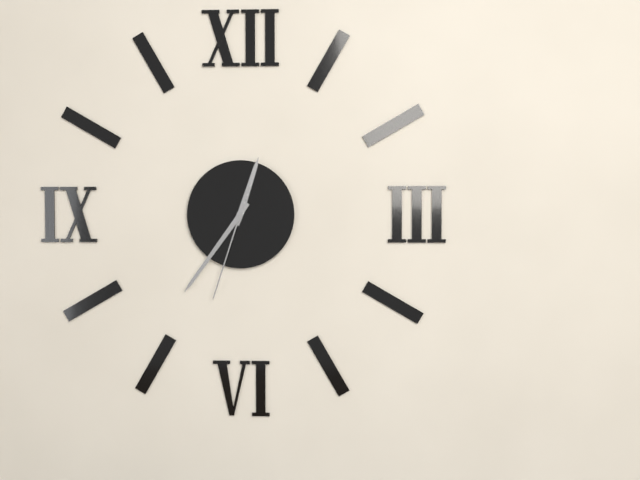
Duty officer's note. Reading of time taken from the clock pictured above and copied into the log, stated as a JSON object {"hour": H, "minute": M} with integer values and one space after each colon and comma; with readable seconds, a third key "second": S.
{"hour": 12, "minute": 36, "second": 33}
